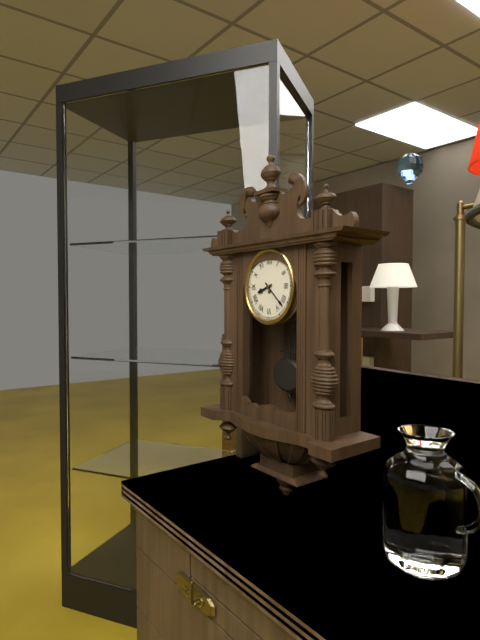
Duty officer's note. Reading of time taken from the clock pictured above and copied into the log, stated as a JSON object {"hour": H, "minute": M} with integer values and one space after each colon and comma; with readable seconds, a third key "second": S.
{"hour": 8, "minute": 22}
